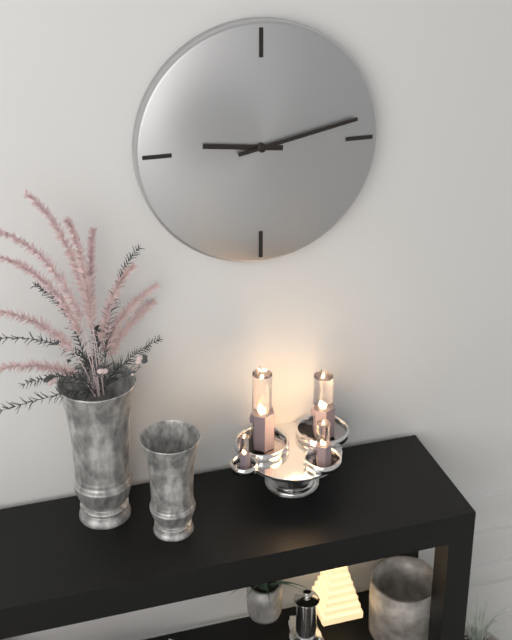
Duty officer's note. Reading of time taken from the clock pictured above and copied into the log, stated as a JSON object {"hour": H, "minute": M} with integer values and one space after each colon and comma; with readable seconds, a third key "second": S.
{"hour": 9, "minute": 13}
